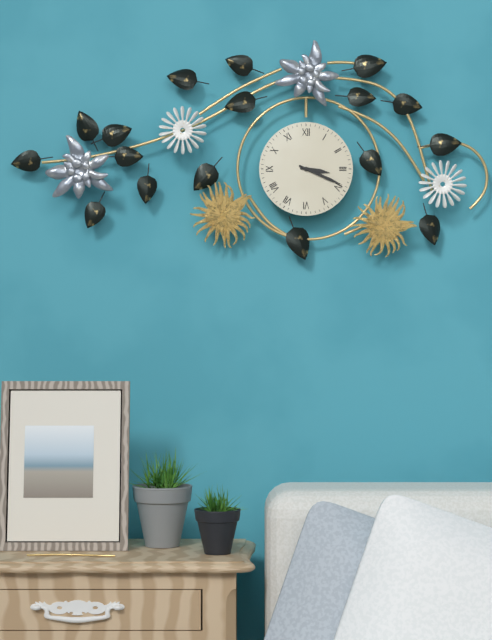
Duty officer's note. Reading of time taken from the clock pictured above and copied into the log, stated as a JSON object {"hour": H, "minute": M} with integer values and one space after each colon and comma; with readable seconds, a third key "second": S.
{"hour": 3, "minute": 19}
